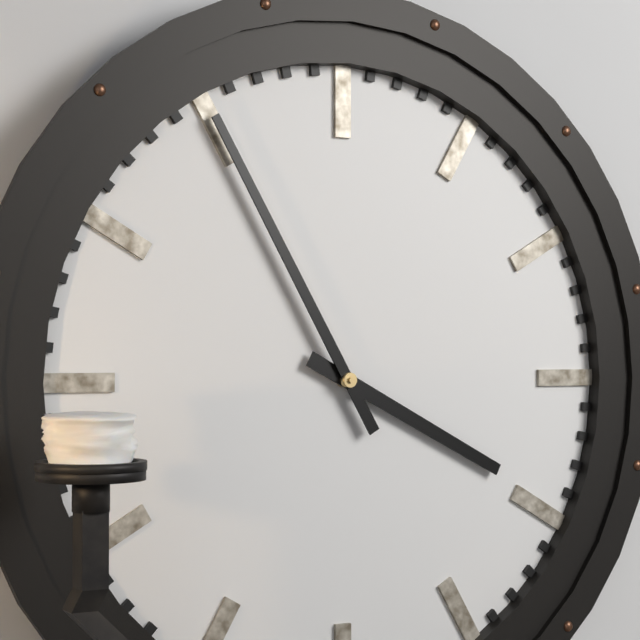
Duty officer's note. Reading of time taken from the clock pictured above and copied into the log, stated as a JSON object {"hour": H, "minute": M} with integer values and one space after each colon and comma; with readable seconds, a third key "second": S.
{"hour": 3, "minute": 55}
